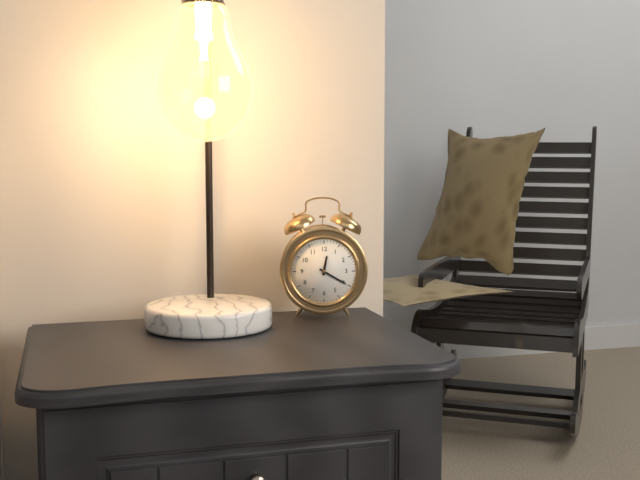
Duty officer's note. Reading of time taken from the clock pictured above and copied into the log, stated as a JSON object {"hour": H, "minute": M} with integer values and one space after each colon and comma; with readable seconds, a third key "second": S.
{"hour": 12, "minute": 20}
